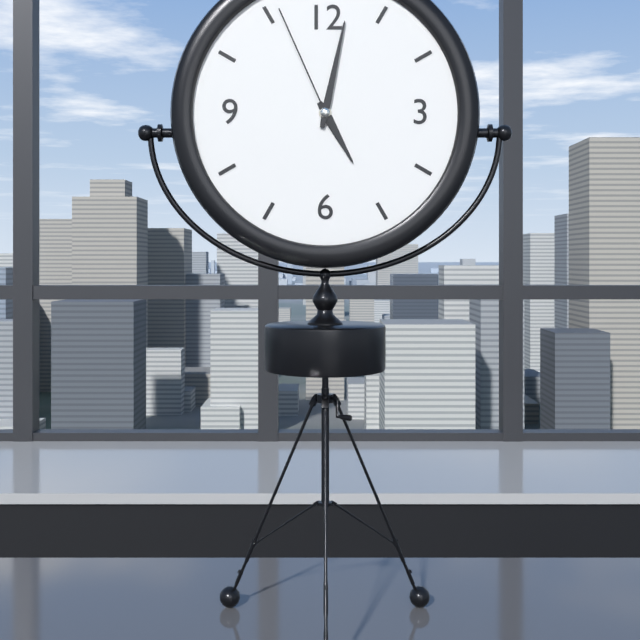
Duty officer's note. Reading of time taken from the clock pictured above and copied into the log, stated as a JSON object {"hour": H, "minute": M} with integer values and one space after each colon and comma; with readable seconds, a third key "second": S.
{"hour": 5, "minute": 2, "second": 56}
